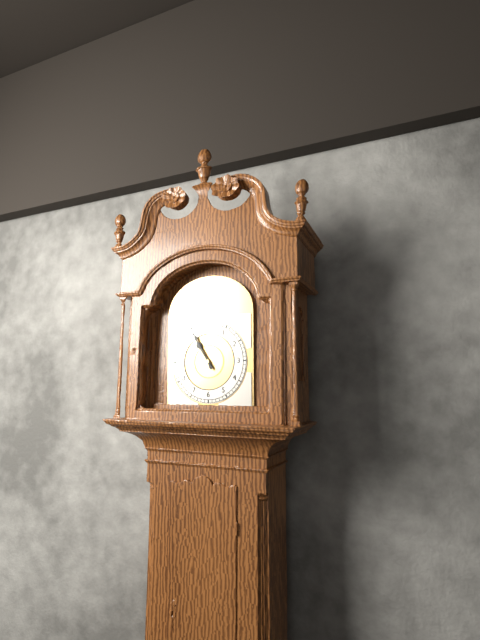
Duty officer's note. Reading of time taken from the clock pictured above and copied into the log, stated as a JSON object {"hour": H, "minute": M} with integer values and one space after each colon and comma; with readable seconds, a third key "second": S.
{"hour": 10, "minute": 55}
